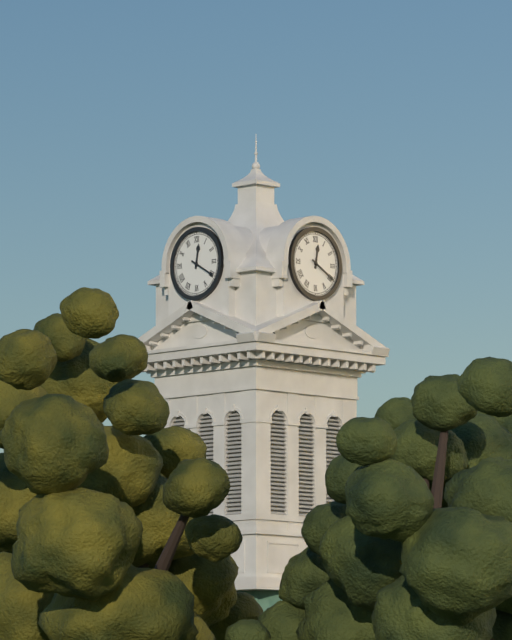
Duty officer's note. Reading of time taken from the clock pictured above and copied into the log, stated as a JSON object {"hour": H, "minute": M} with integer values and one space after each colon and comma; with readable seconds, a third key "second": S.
{"hour": 12, "minute": 20}
